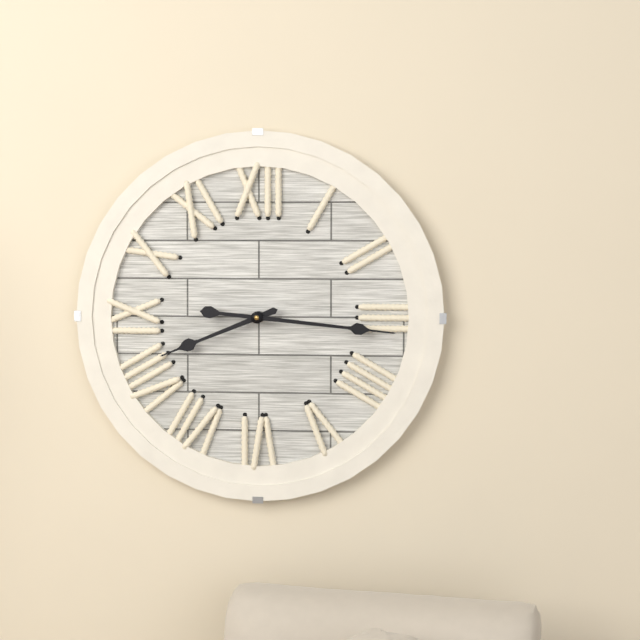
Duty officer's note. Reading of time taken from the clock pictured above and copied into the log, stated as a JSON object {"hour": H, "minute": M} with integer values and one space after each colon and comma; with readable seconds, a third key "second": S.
{"hour": 8, "minute": 16}
